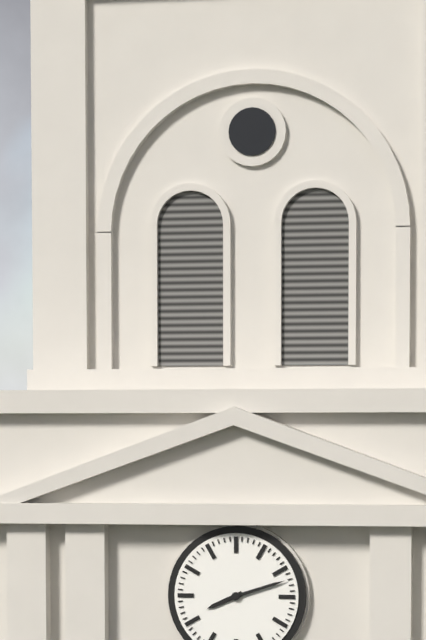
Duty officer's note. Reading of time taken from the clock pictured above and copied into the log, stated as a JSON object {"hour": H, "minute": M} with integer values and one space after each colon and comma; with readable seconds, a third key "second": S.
{"hour": 8, "minute": 12}
